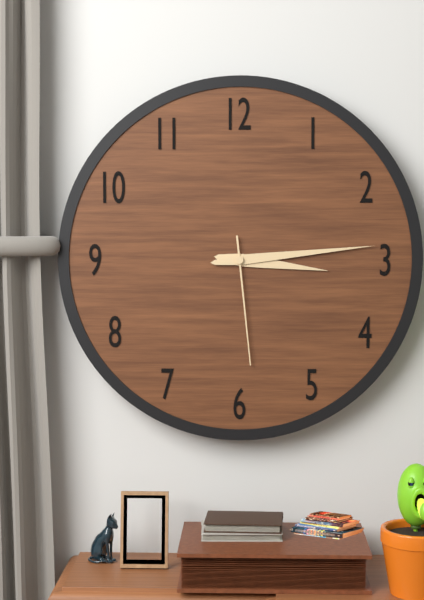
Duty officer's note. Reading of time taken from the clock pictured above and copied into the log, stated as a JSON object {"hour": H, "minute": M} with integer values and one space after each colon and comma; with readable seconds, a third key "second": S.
{"hour": 3, "minute": 14, "second": 29}
